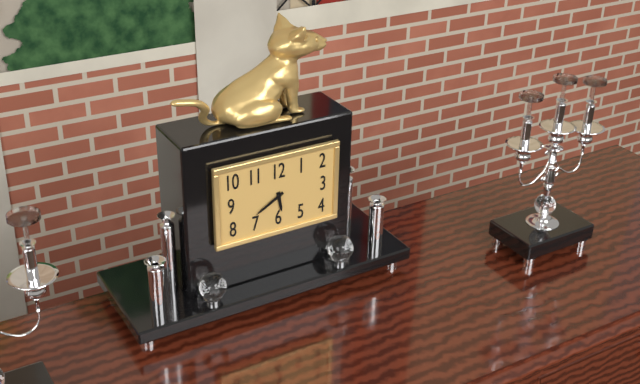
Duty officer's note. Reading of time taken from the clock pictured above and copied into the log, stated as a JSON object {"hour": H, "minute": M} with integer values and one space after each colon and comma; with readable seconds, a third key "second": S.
{"hour": 5, "minute": 40}
